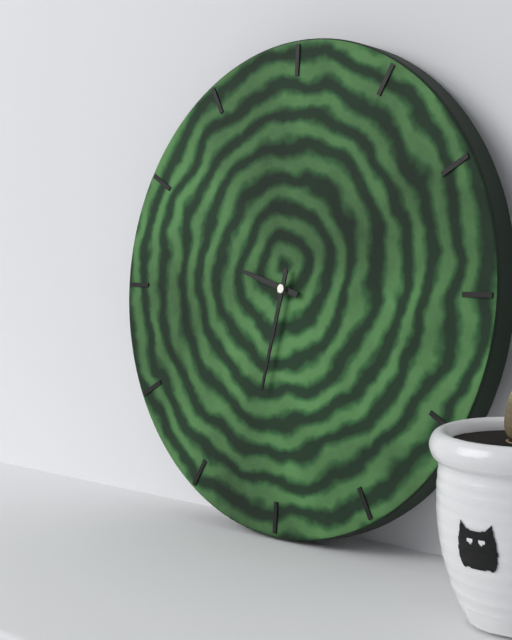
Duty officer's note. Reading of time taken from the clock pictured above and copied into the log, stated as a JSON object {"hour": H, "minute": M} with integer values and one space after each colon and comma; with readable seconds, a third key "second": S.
{"hour": 9, "minute": 32}
